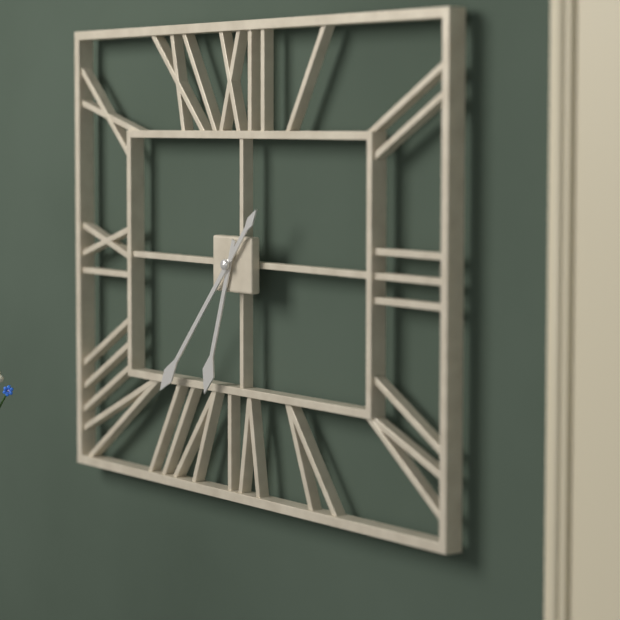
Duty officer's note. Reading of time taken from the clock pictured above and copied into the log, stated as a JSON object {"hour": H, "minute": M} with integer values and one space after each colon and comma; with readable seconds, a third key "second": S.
{"hour": 6, "minute": 37}
